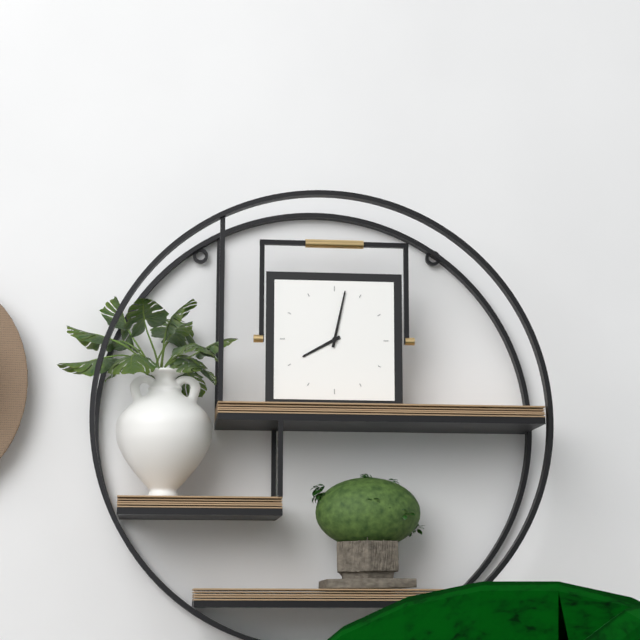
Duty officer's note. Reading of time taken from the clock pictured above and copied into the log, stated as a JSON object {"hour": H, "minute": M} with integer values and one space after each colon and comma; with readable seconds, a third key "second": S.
{"hour": 8, "minute": 2}
